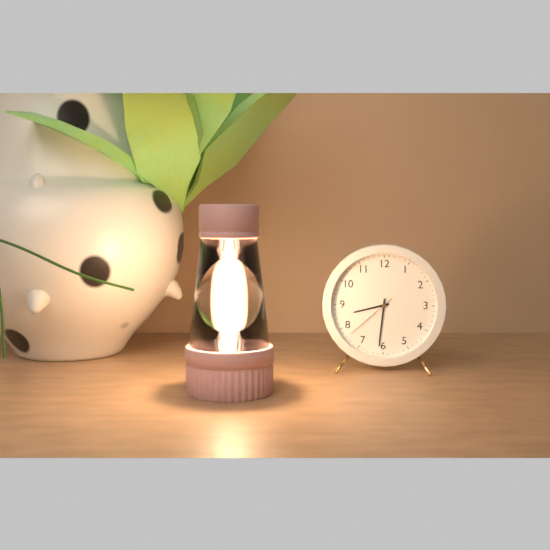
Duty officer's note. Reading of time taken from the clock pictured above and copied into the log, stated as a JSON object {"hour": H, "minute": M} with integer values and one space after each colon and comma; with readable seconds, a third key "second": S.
{"hour": 8, "minute": 31, "second": 38}
